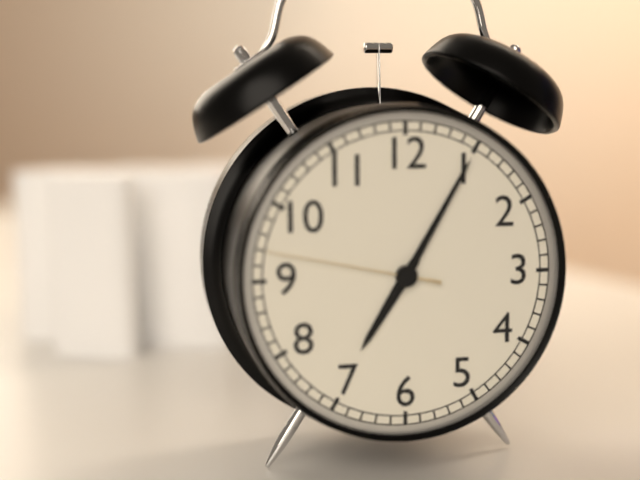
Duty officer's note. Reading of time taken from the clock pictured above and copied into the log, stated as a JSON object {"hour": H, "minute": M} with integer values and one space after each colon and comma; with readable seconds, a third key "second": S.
{"hour": 7, "minute": 5, "second": 47}
